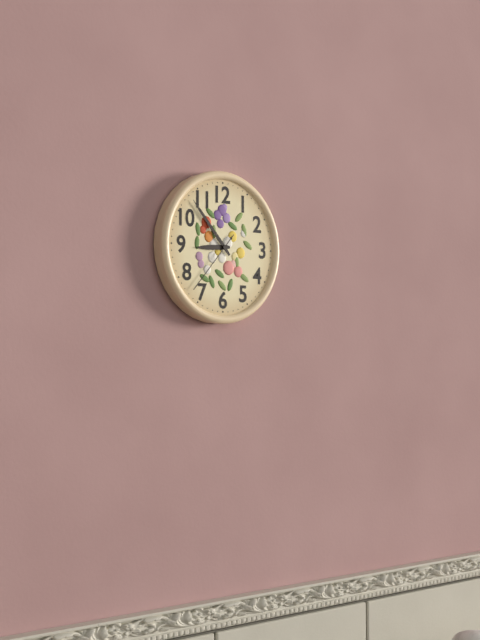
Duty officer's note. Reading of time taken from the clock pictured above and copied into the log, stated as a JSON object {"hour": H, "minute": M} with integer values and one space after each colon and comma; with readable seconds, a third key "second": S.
{"hour": 8, "minute": 53, "second": 37}
